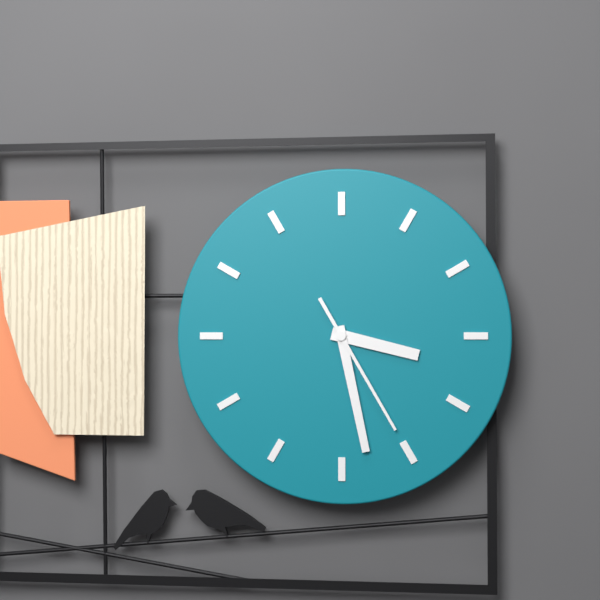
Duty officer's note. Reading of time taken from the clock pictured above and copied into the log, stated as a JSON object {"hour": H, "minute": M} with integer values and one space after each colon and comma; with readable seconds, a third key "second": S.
{"hour": 3, "minute": 28, "second": 25}
